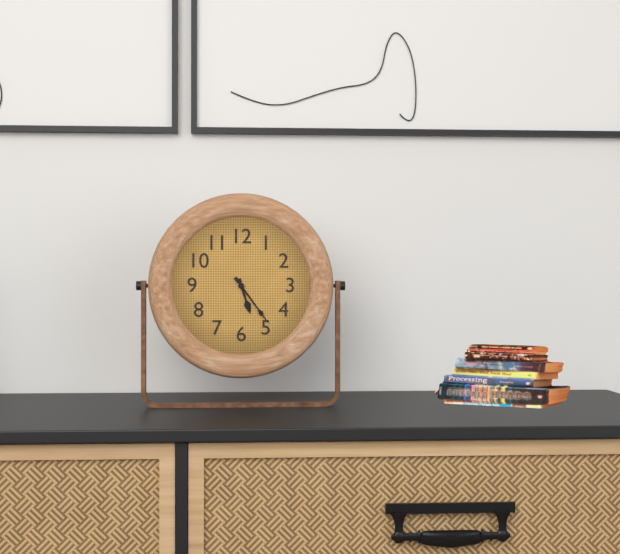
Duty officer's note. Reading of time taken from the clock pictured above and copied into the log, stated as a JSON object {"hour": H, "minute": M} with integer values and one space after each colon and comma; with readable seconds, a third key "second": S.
{"hour": 5, "minute": 24}
